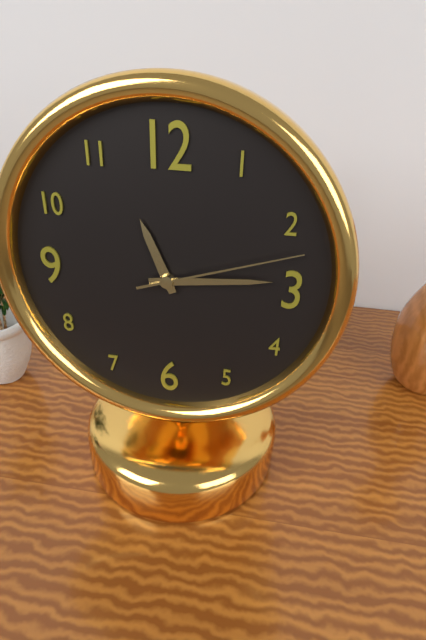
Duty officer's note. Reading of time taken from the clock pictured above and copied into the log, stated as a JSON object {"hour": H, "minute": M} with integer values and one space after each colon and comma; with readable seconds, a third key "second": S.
{"hour": 11, "minute": 14, "second": 12}
